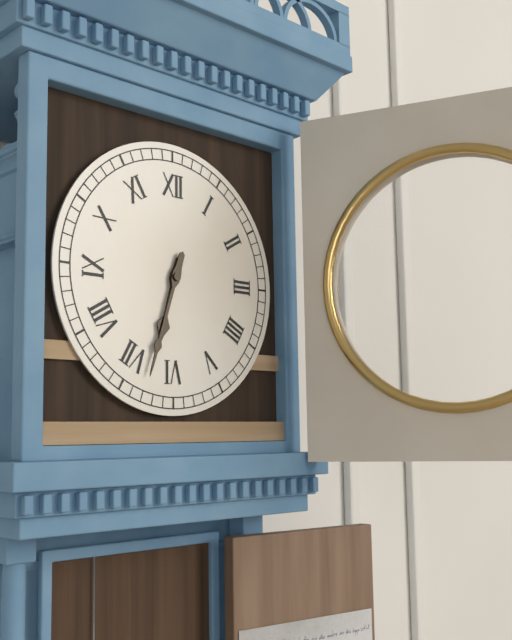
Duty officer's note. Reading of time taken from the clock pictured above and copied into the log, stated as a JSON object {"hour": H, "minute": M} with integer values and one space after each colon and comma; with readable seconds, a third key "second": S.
{"hour": 6, "minute": 33}
